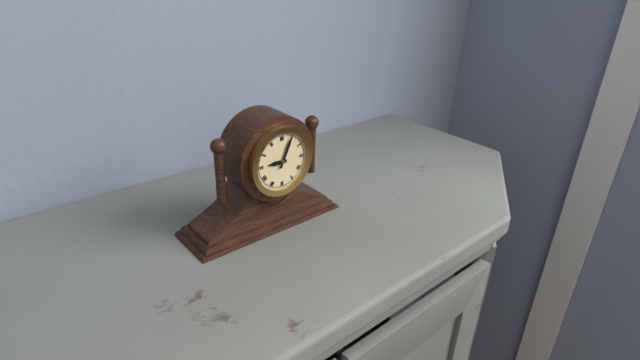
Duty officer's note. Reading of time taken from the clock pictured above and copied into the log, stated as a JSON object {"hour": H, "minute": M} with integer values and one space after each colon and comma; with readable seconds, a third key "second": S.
{"hour": 9, "minute": 4}
